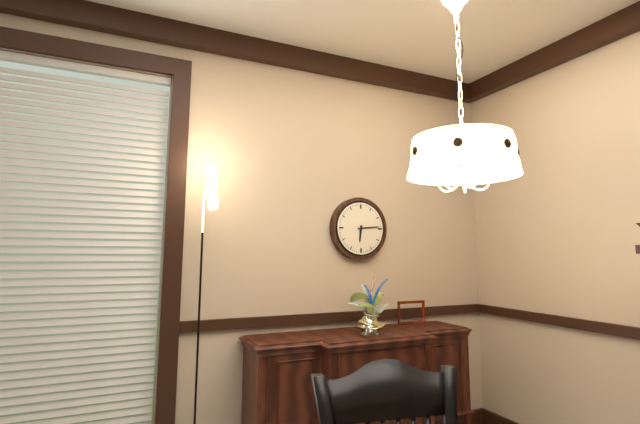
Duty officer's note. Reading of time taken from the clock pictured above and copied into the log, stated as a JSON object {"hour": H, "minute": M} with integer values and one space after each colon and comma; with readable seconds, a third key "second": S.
{"hour": 6, "minute": 14}
